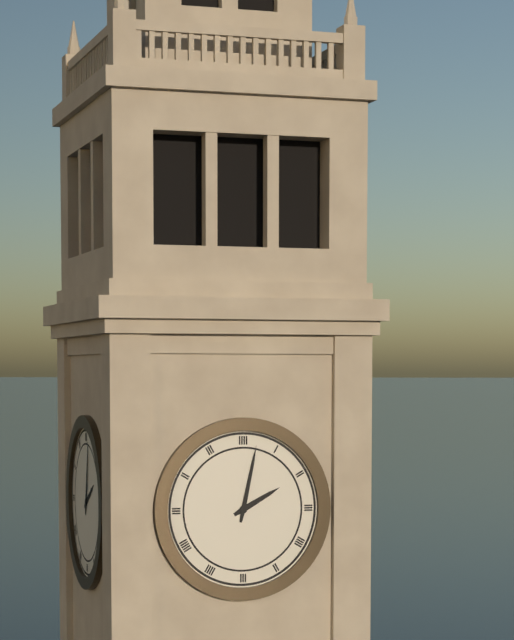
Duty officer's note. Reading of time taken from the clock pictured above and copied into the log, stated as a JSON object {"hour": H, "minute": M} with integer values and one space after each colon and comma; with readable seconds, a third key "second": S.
{"hour": 2, "minute": 2}
